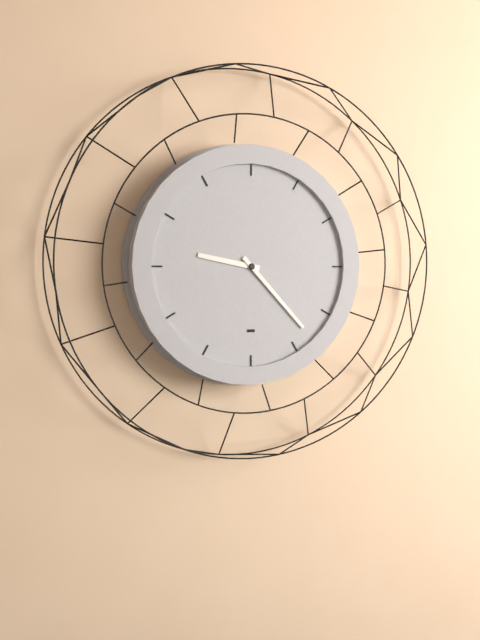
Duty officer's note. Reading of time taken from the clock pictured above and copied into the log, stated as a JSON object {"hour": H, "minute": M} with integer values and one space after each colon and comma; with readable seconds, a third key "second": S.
{"hour": 9, "minute": 23}
